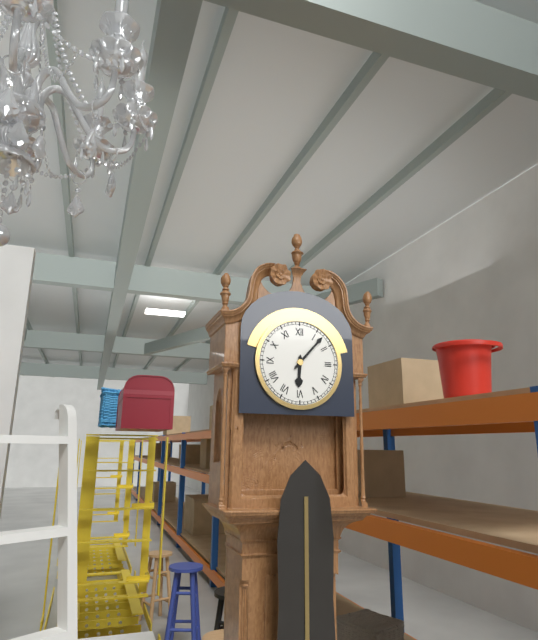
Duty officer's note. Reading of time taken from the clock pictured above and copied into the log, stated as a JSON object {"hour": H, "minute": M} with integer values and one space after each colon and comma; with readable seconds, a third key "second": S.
{"hour": 6, "minute": 7}
